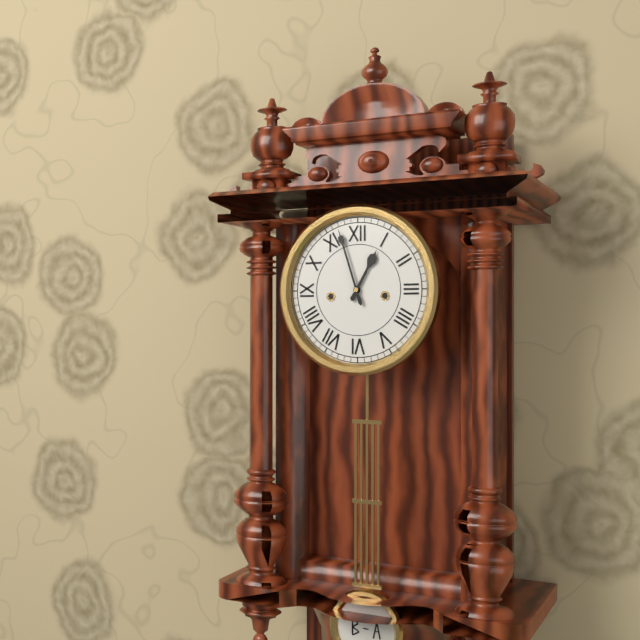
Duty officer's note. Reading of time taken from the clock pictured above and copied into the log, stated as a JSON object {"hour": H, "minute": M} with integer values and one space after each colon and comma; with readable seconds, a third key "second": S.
{"hour": 12, "minute": 57}
